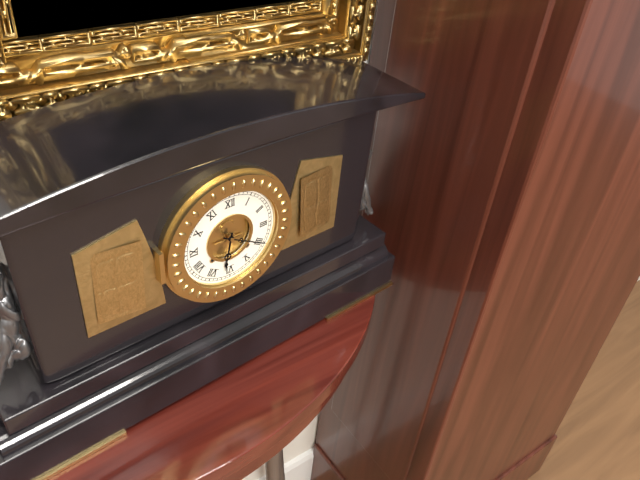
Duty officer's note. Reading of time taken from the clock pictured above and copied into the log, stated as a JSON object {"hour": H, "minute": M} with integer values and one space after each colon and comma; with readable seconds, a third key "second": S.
{"hour": 6, "minute": 20}
